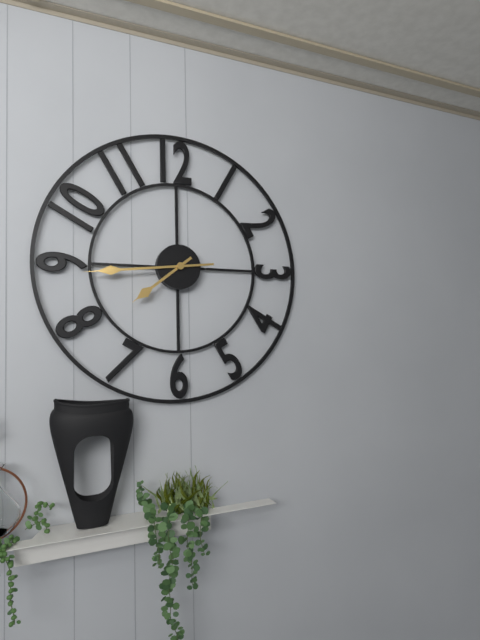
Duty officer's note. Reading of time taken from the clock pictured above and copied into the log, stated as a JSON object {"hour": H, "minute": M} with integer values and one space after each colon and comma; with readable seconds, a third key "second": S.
{"hour": 7, "minute": 44}
